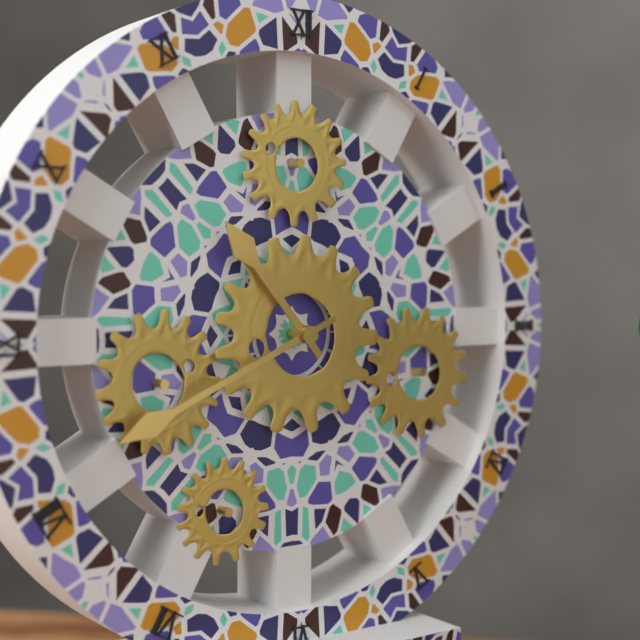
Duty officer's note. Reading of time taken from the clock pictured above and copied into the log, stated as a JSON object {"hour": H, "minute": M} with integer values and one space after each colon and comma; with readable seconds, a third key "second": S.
{"hour": 10, "minute": 41}
